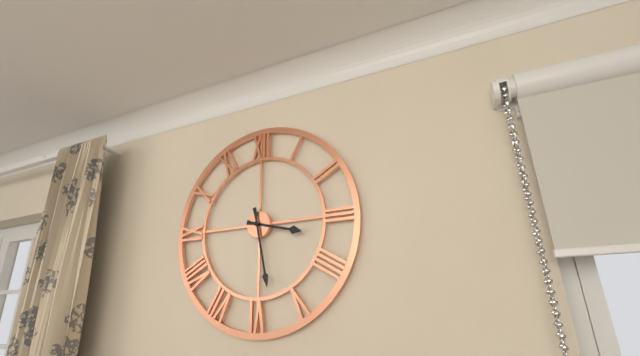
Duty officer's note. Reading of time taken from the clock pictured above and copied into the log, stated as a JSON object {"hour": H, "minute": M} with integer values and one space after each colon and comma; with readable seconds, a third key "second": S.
{"hour": 3, "minute": 28}
